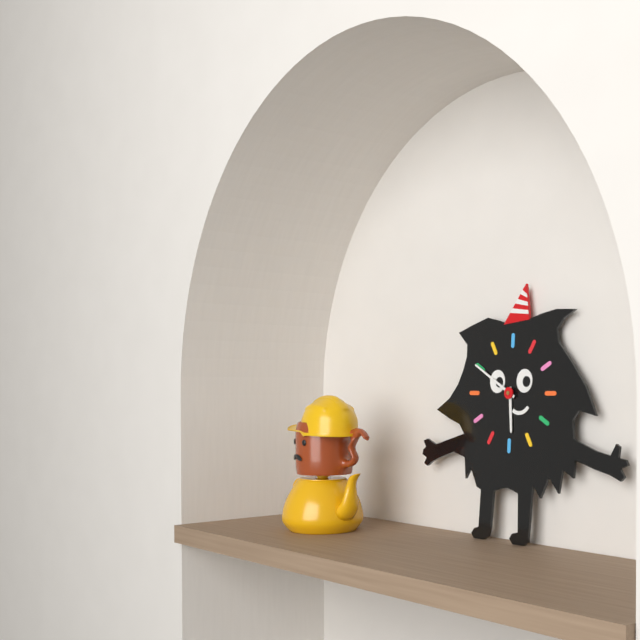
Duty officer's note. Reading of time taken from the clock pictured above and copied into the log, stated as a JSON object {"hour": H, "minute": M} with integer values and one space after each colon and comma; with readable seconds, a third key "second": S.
{"hour": 5, "minute": 50}
